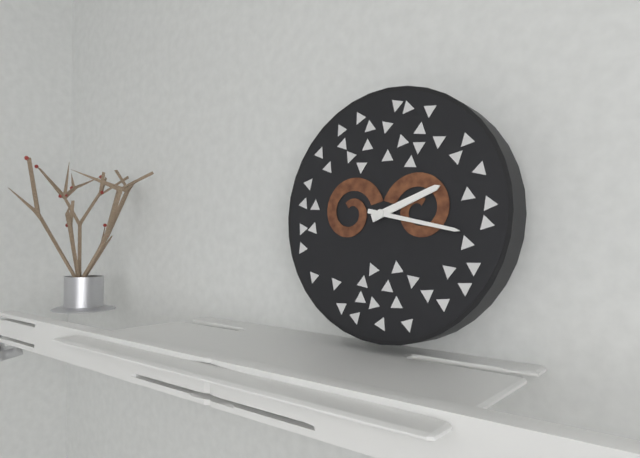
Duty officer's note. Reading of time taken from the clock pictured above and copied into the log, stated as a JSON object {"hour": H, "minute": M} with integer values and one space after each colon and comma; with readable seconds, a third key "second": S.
{"hour": 2, "minute": 17}
